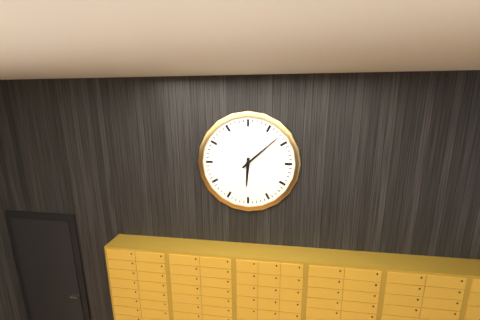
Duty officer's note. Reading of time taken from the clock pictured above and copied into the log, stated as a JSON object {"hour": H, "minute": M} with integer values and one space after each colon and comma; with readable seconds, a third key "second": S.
{"hour": 6, "minute": 8}
